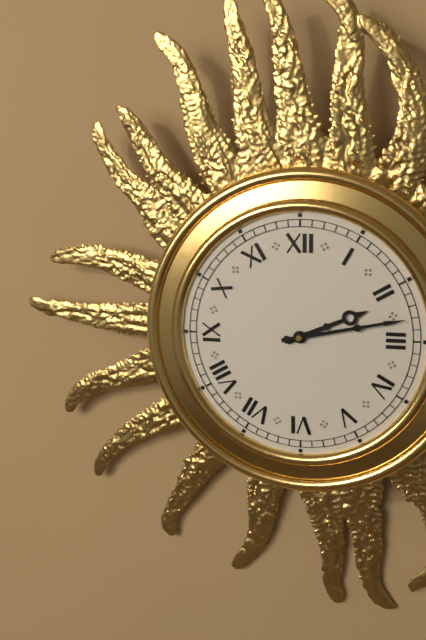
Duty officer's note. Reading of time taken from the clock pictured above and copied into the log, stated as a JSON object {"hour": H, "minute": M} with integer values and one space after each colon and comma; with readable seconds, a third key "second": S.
{"hour": 2, "minute": 13}
